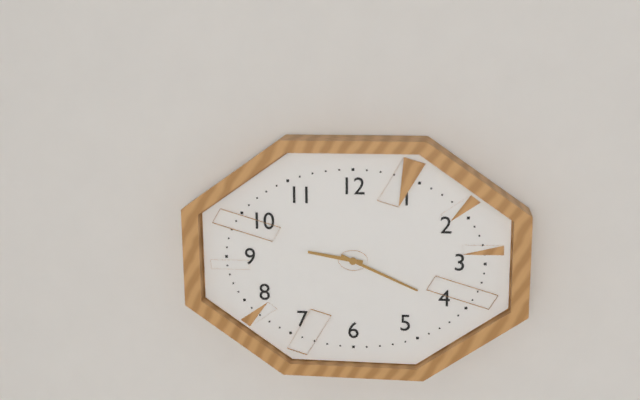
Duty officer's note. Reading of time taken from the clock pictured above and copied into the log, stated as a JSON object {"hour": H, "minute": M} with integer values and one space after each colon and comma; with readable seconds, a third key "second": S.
{"hour": 9, "minute": 19}
